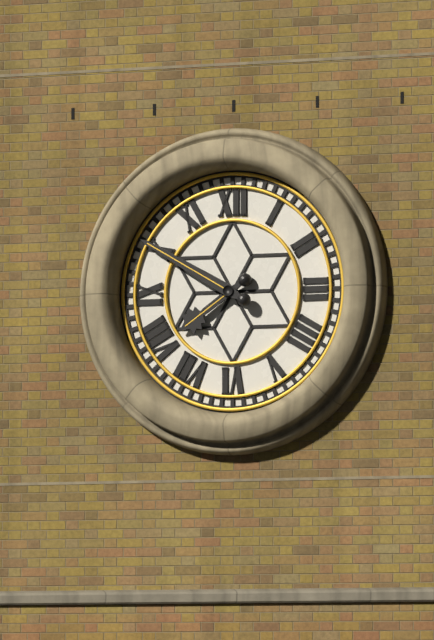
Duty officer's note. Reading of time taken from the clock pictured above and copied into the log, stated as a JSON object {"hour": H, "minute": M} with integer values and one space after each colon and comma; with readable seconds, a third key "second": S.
{"hour": 7, "minute": 50}
